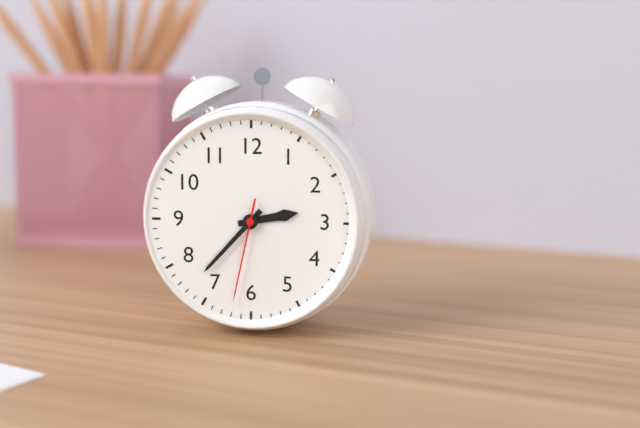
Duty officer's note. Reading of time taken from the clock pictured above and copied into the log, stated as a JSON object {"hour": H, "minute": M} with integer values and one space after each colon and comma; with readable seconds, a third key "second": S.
{"hour": 2, "minute": 37, "second": 32}
